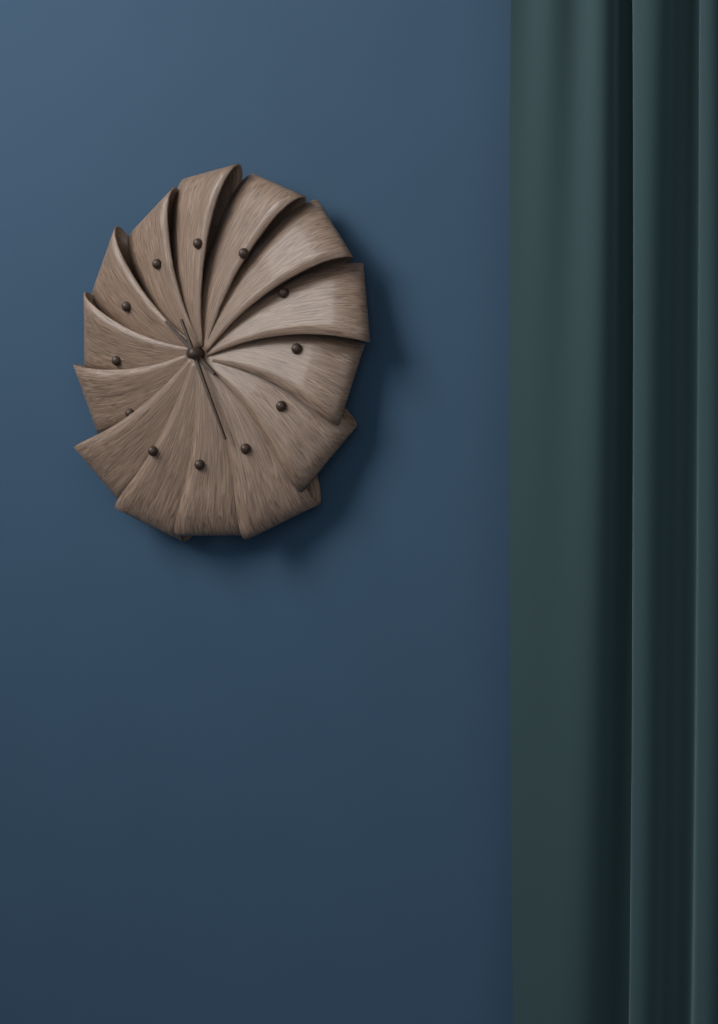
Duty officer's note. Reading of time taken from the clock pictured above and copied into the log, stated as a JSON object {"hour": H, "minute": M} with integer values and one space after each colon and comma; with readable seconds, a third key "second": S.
{"hour": 10, "minute": 26}
